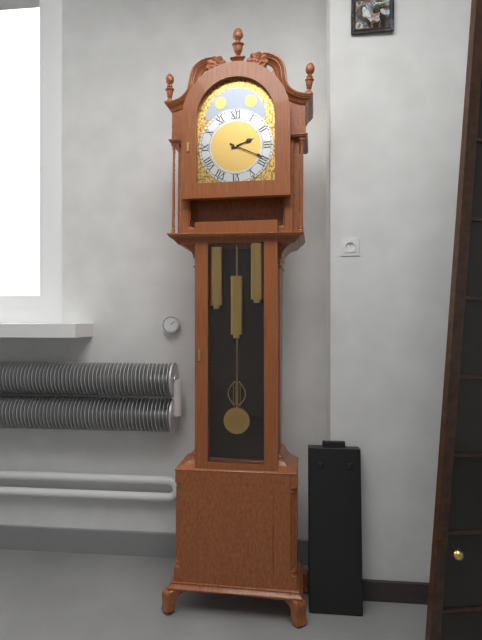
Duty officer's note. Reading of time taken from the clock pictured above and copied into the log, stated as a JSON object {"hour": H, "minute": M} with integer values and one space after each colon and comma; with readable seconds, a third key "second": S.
{"hour": 2, "minute": 19}
